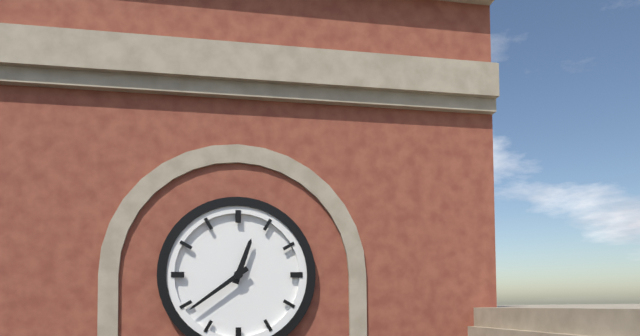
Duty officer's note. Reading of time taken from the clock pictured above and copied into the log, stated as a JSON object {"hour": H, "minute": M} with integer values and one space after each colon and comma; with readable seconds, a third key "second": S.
{"hour": 12, "minute": 39}
